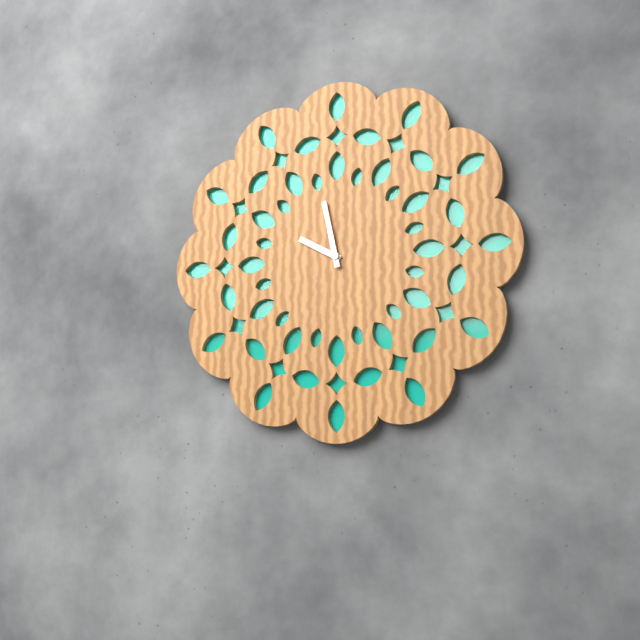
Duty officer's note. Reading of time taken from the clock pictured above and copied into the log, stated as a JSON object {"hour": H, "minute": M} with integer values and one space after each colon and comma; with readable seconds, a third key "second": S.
{"hour": 9, "minute": 58}
